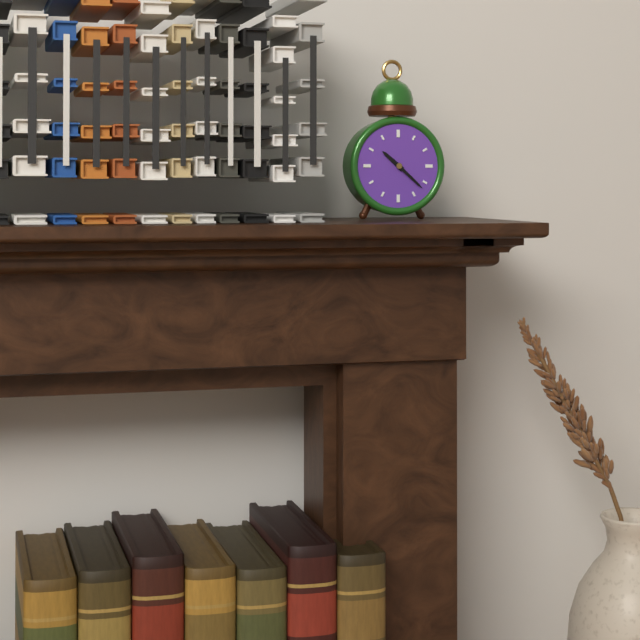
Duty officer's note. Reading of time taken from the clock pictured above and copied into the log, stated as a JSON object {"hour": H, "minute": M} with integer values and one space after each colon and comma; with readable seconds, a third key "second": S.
{"hour": 10, "minute": 22}
